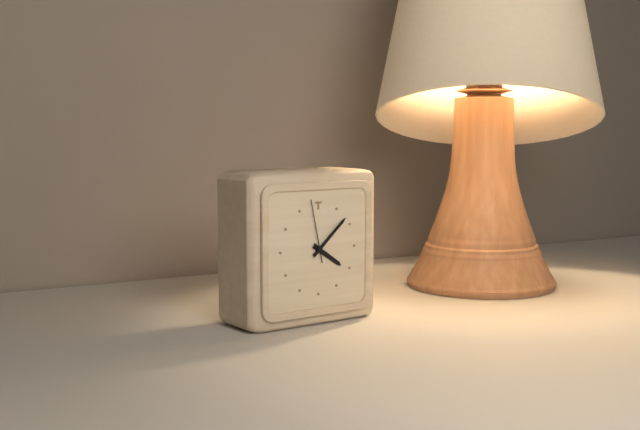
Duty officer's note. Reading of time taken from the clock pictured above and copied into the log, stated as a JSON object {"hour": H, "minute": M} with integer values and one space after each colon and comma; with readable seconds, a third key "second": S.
{"hour": 4, "minute": 8, "second": 58}
